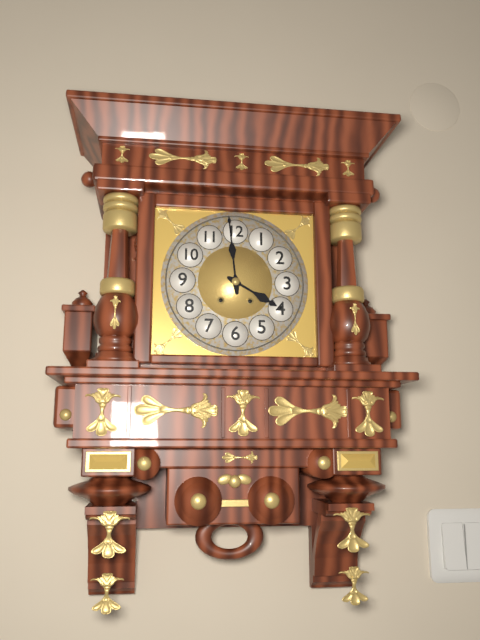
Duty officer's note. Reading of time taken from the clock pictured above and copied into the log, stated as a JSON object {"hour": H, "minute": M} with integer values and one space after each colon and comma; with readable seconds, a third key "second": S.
{"hour": 3, "minute": 59}
